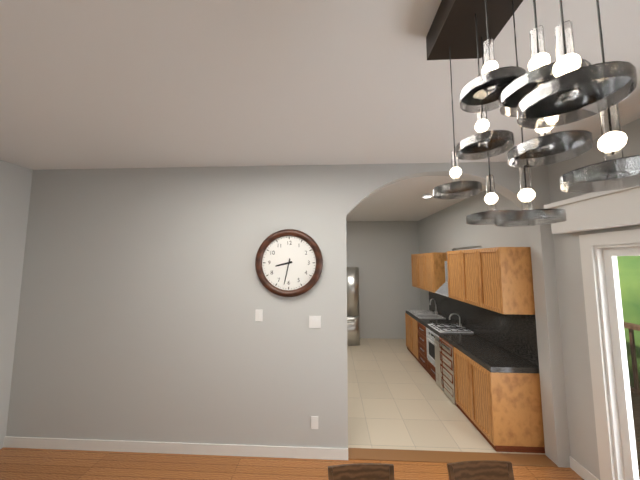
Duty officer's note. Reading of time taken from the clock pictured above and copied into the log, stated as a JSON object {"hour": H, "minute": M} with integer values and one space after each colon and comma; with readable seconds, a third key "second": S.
{"hour": 8, "minute": 32}
